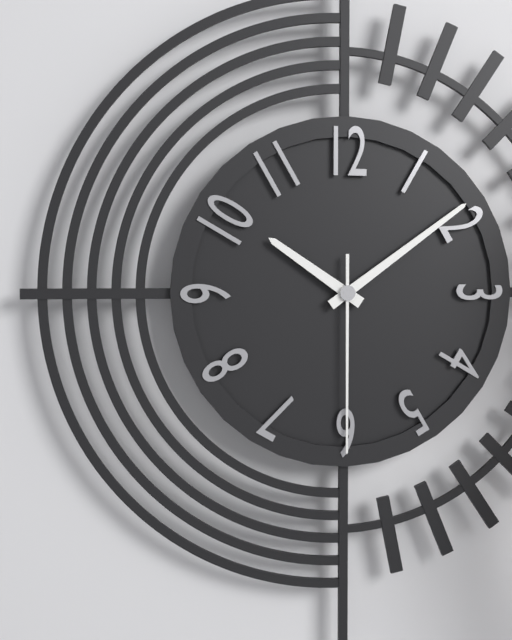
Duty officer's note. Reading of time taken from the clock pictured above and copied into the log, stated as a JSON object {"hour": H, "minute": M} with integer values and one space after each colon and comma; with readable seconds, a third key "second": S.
{"hour": 10, "minute": 9, "second": 30}
